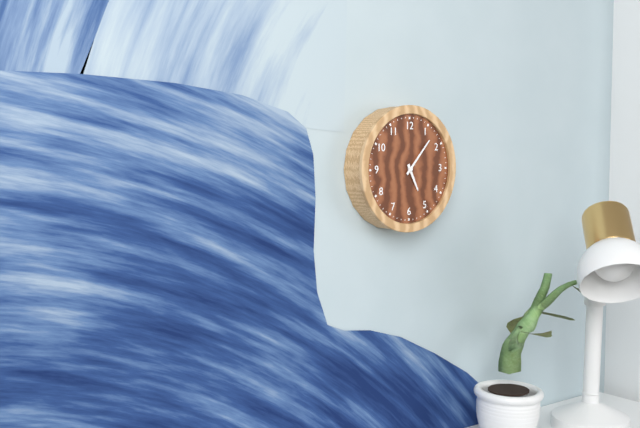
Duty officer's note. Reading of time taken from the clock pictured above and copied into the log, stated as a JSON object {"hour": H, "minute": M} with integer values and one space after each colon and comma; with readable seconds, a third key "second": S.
{"hour": 5, "minute": 7}
